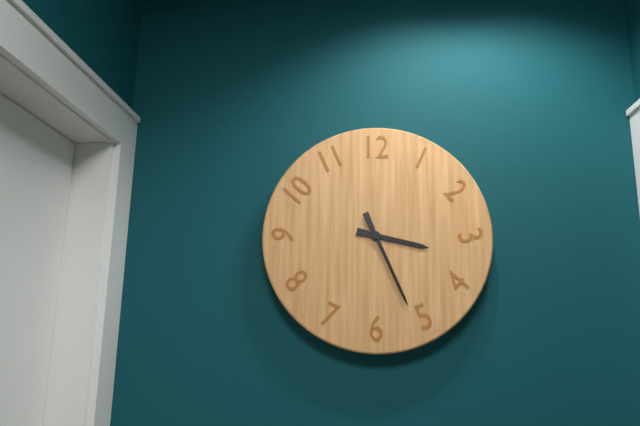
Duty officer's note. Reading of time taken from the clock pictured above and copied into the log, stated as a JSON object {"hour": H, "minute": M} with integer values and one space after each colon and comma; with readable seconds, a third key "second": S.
{"hour": 3, "minute": 26}
